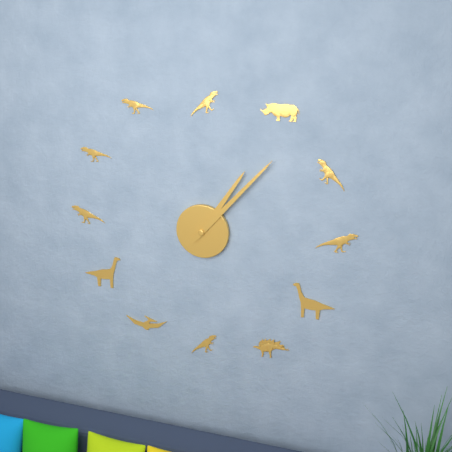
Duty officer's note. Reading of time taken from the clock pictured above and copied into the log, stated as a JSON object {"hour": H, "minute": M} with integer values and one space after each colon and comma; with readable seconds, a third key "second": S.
{"hour": 1, "minute": 7}
